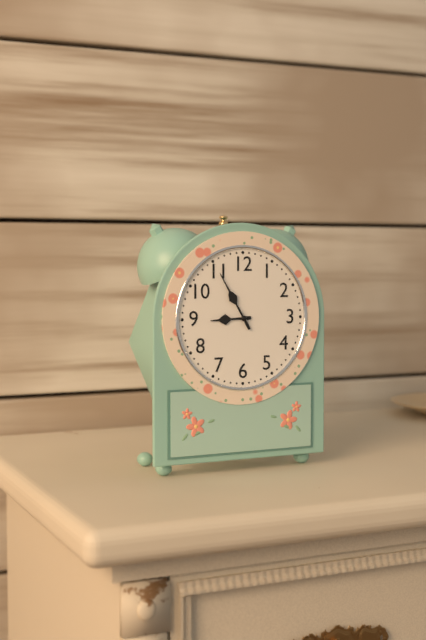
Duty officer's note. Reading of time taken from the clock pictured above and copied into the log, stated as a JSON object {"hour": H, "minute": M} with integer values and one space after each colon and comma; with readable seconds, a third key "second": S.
{"hour": 8, "minute": 55}
